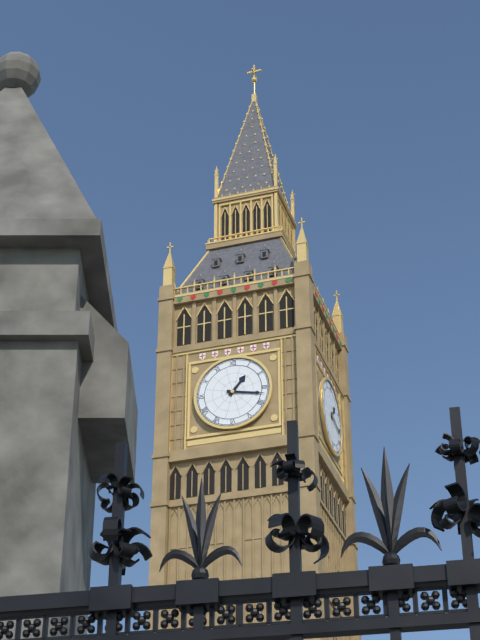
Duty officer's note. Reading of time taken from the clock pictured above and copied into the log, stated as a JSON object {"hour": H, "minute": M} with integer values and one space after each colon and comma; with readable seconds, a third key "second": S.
{"hour": 1, "minute": 17}
